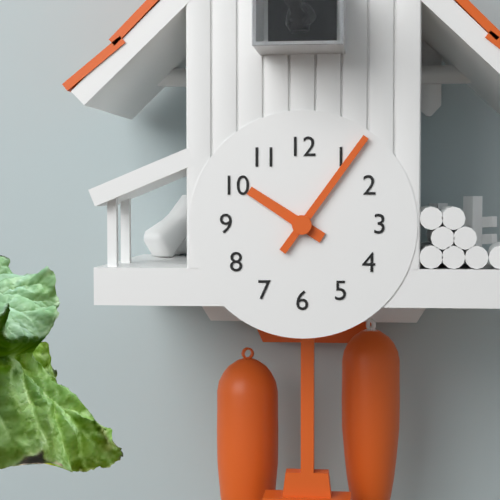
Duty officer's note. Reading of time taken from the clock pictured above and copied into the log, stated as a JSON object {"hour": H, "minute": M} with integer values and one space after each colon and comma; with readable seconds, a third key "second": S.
{"hour": 10, "minute": 6}
